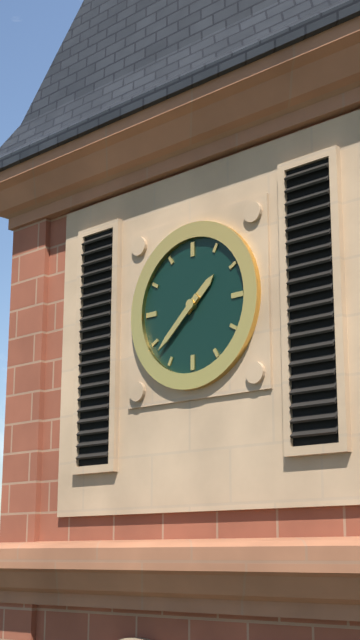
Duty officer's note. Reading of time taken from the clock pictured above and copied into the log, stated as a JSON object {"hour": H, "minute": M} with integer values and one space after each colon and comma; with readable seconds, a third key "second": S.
{"hour": 1, "minute": 38}
